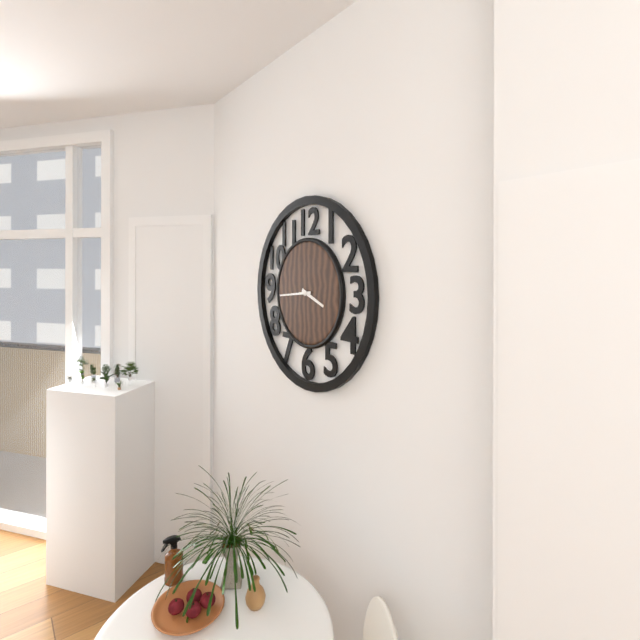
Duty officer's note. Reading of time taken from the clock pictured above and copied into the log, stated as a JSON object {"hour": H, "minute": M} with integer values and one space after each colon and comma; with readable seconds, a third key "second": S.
{"hour": 3, "minute": 44}
